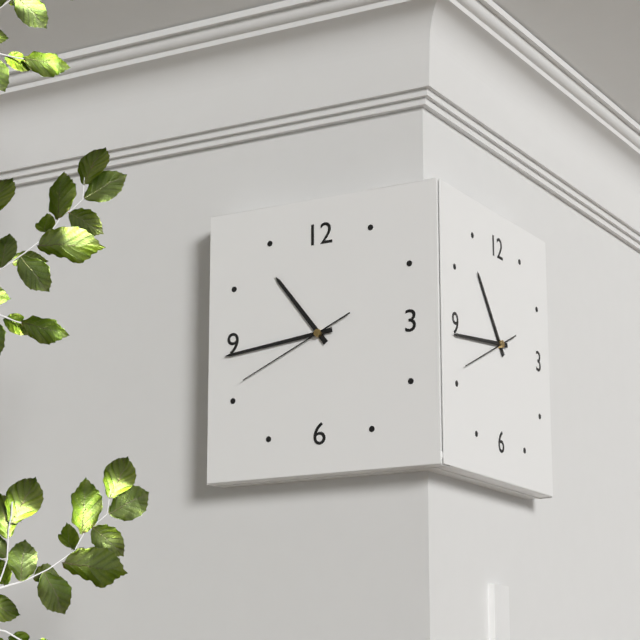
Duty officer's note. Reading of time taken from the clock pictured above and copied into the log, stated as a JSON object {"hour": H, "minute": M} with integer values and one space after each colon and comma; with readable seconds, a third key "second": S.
{"hour": 10, "minute": 44, "second": 41}
